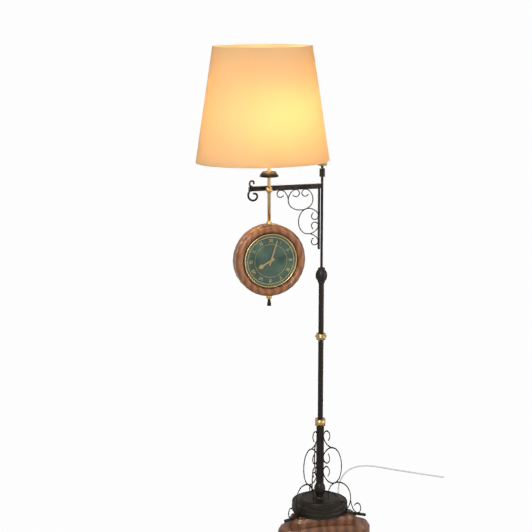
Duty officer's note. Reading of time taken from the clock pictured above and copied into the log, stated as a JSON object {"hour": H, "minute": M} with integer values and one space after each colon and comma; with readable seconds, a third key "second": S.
{"hour": 8, "minute": 3}
